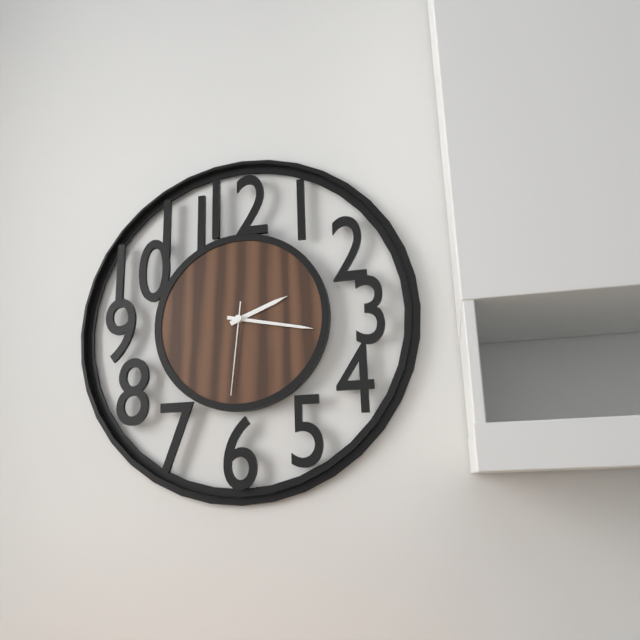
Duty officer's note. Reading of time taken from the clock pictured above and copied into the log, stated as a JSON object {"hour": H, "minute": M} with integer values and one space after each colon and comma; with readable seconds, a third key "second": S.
{"hour": 2, "minute": 17, "second": 31}
